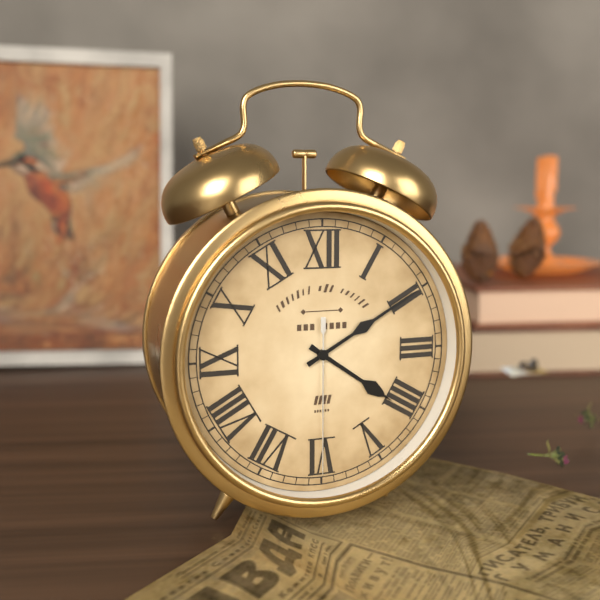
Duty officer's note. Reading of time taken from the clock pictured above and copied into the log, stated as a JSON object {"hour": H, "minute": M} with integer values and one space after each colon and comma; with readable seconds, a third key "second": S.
{"hour": 4, "minute": 10, "second": 30}
